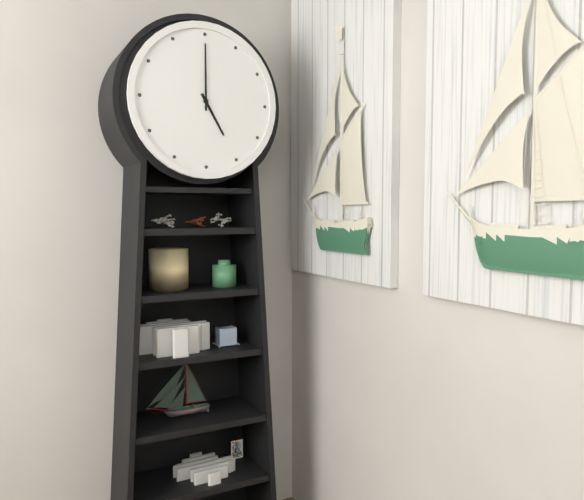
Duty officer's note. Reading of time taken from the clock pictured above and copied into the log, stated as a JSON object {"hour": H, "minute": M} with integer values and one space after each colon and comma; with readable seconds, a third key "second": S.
{"hour": 5, "minute": 0}
